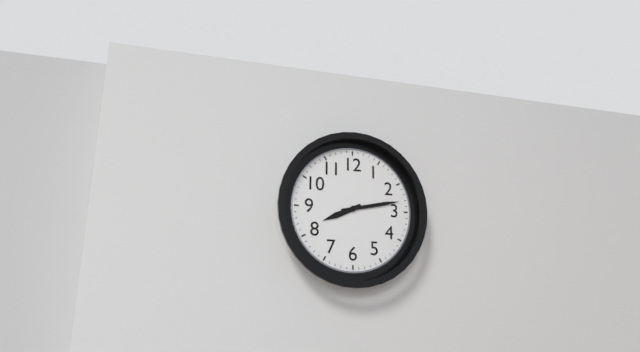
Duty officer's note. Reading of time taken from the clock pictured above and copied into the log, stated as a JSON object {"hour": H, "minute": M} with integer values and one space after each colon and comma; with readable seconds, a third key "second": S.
{"hour": 8, "minute": 13}
